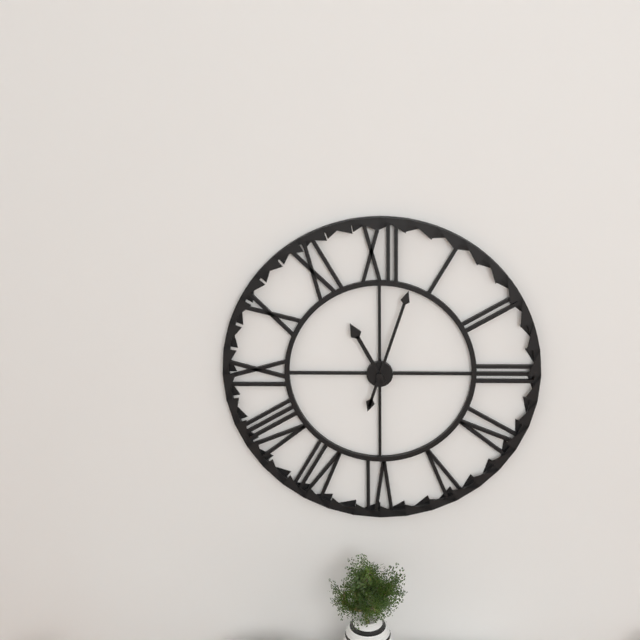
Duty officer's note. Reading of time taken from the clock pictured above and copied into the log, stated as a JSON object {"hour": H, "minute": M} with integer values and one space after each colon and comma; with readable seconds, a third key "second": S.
{"hour": 11, "minute": 3}
